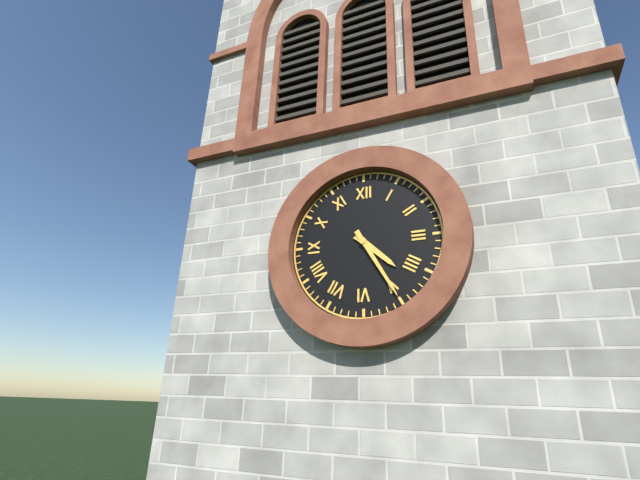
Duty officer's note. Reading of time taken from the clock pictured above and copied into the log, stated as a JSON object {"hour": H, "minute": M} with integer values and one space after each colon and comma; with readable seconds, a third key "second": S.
{"hour": 4, "minute": 25}
